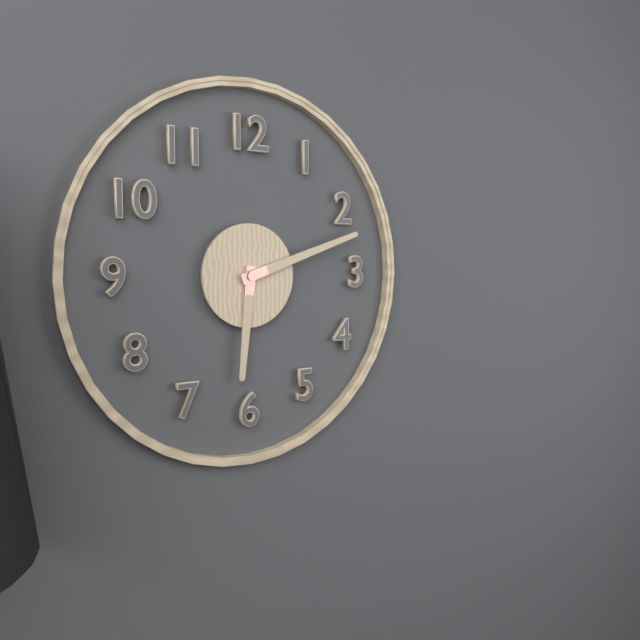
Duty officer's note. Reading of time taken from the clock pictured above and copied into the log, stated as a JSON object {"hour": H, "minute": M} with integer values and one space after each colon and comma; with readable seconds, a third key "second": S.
{"hour": 6, "minute": 12}
